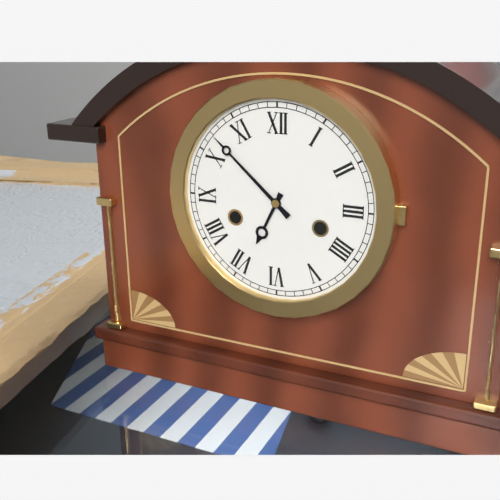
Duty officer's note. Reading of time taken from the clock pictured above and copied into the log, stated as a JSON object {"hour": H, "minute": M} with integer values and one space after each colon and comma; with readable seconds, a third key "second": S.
{"hour": 6, "minute": 52}
